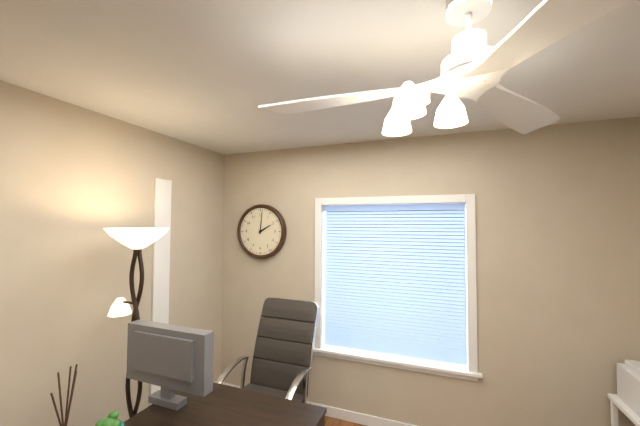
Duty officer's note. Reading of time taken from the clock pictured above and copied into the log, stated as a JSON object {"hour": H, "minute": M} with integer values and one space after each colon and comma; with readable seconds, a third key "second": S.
{"hour": 2, "minute": 1}
